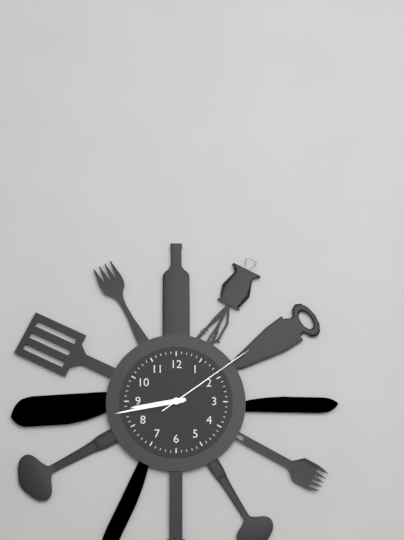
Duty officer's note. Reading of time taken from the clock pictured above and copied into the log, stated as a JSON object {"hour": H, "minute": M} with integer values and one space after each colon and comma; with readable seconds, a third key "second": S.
{"hour": 8, "minute": 43, "second": 9}
